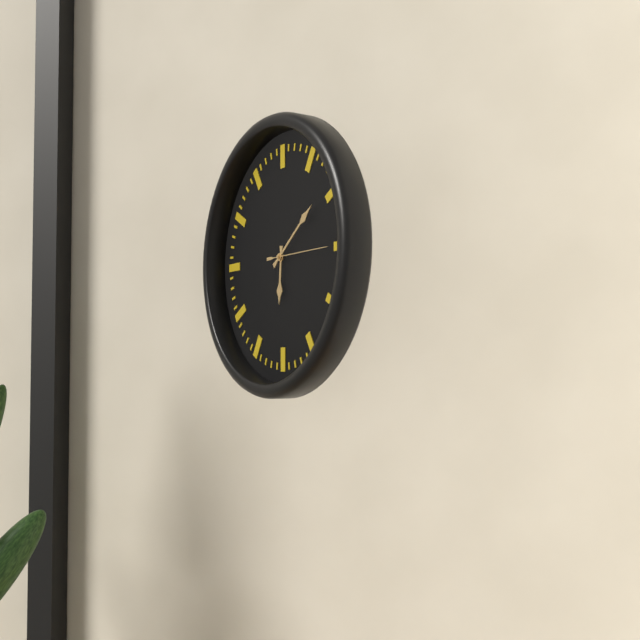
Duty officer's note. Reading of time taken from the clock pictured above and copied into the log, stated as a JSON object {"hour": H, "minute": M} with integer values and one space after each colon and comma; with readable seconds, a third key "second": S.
{"hour": 6, "minute": 9}
